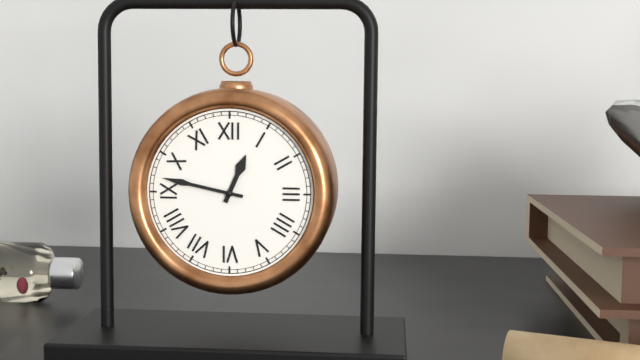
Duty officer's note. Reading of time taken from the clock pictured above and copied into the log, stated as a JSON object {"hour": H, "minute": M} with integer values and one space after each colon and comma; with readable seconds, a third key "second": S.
{"hour": 12, "minute": 47}
